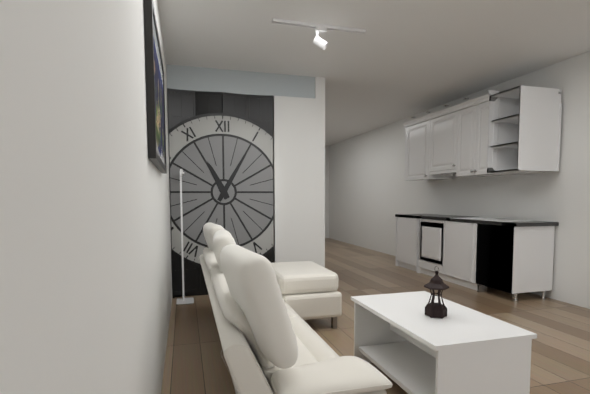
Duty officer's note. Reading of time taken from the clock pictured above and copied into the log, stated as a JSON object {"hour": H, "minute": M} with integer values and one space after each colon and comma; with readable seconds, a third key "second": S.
{"hour": 11, "minute": 5}
